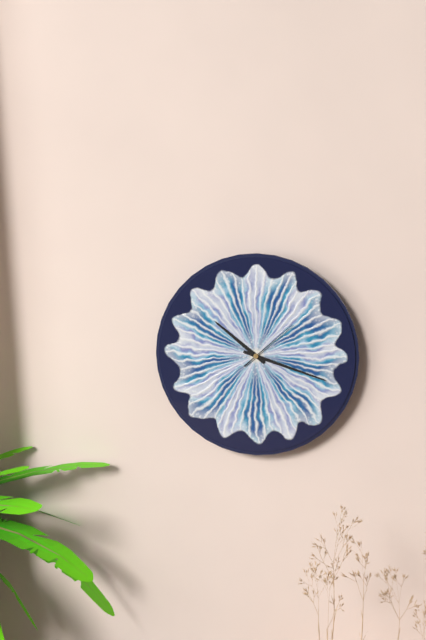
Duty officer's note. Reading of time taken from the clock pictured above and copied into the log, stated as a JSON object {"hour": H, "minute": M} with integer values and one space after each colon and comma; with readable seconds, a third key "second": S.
{"hour": 10, "minute": 18, "second": 8}
